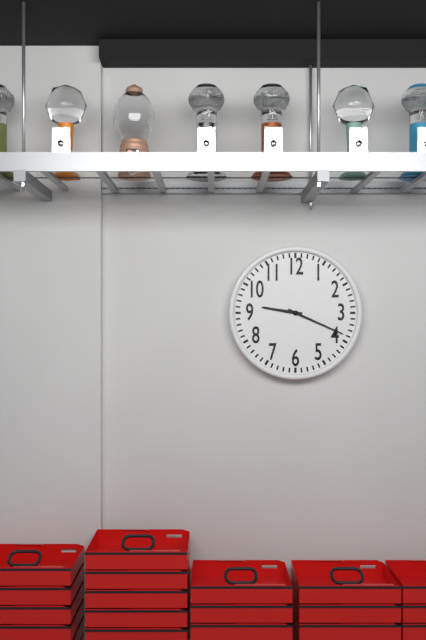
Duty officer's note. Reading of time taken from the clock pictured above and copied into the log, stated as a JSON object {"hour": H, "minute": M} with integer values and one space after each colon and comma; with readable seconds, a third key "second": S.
{"hour": 9, "minute": 19}
